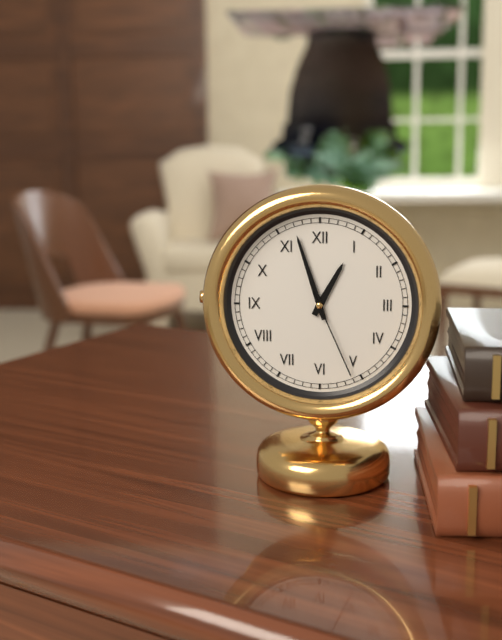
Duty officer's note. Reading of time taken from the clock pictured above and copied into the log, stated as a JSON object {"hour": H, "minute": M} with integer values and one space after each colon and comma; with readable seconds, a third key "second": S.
{"hour": 12, "minute": 57, "second": 26}
